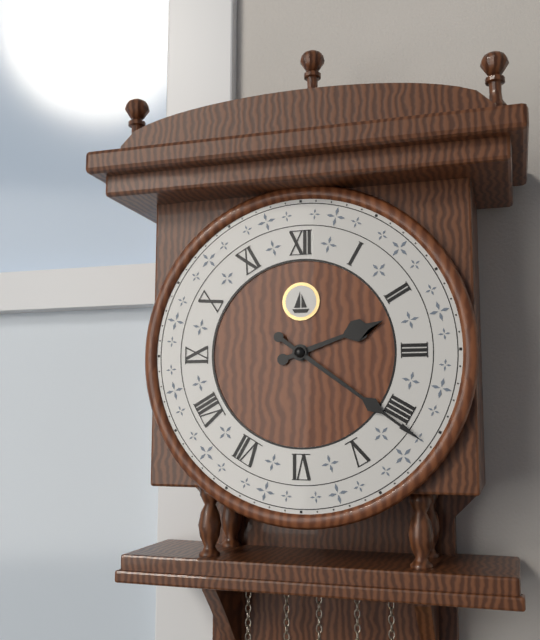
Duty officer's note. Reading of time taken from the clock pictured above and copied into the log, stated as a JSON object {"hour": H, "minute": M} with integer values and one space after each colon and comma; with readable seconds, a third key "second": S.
{"hour": 2, "minute": 21}
